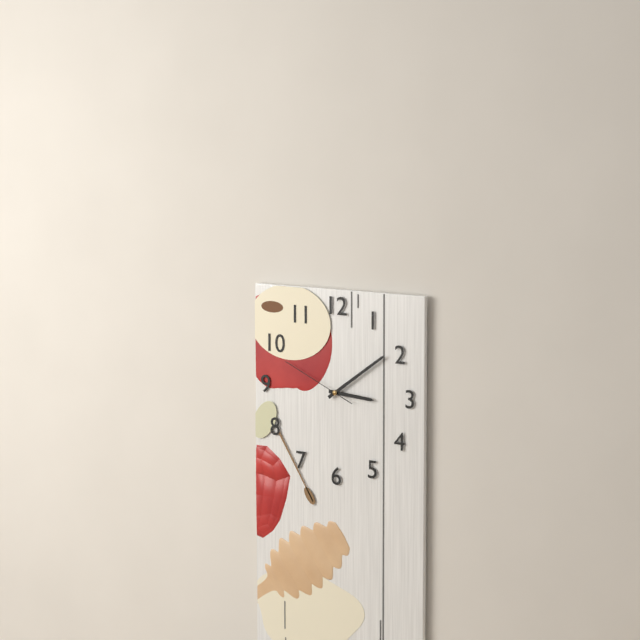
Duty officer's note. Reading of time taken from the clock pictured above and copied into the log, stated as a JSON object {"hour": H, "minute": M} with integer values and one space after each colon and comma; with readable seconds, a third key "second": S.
{"hour": 3, "minute": 9, "second": 49}
